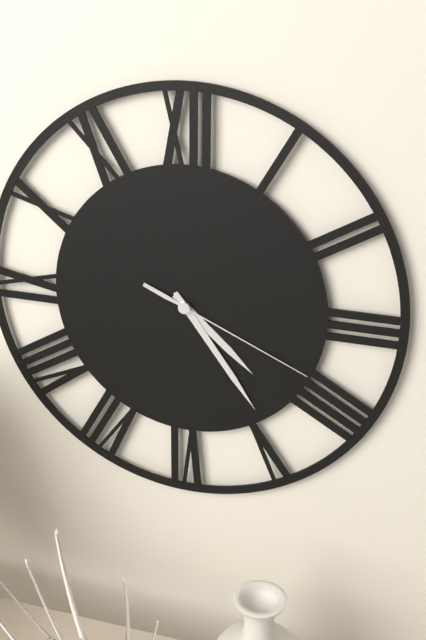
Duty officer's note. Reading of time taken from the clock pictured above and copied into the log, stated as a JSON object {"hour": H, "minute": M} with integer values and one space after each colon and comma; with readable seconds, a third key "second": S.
{"hour": 4, "minute": 24, "second": 19}
